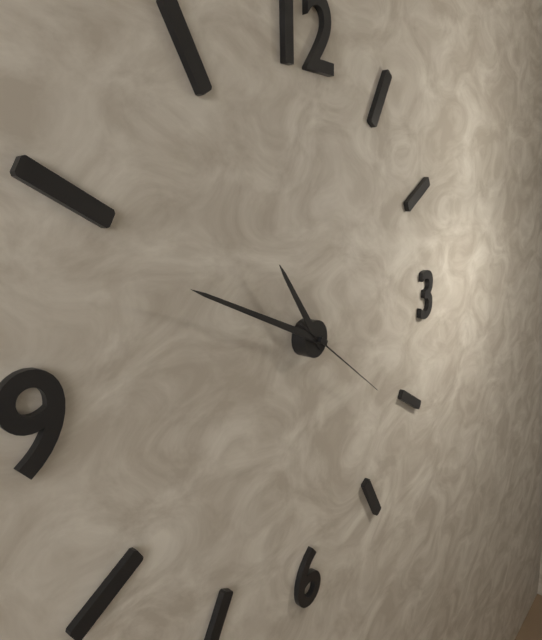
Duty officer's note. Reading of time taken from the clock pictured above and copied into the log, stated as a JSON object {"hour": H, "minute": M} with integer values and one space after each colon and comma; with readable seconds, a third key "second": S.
{"hour": 10, "minute": 49, "second": 21}
